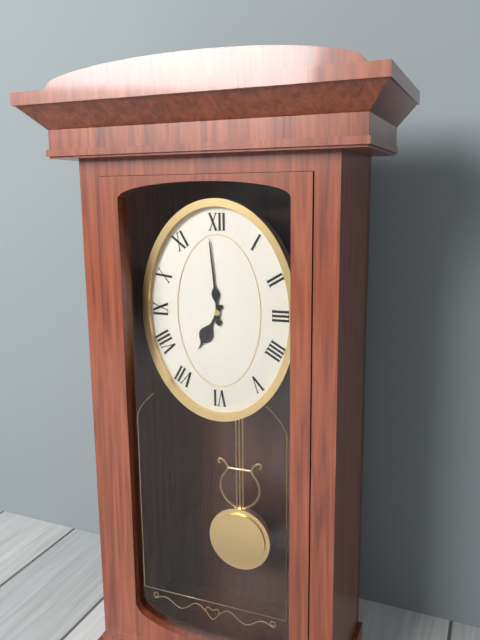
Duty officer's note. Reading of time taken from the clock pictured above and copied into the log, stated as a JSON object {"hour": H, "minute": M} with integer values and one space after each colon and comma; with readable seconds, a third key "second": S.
{"hour": 6, "minute": 59}
